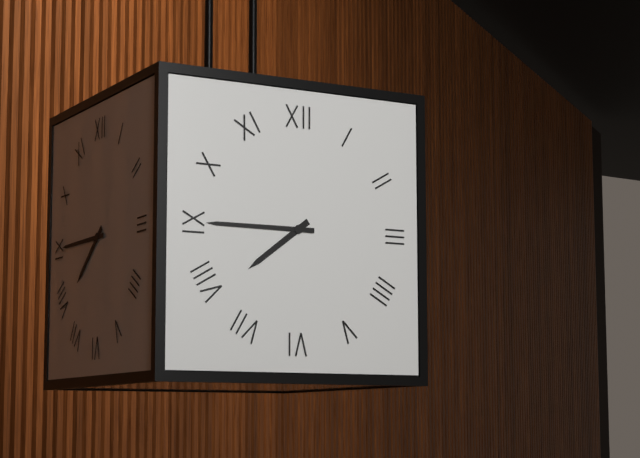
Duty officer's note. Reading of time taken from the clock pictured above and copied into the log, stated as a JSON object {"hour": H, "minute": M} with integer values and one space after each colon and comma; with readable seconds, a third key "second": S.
{"hour": 7, "minute": 45}
